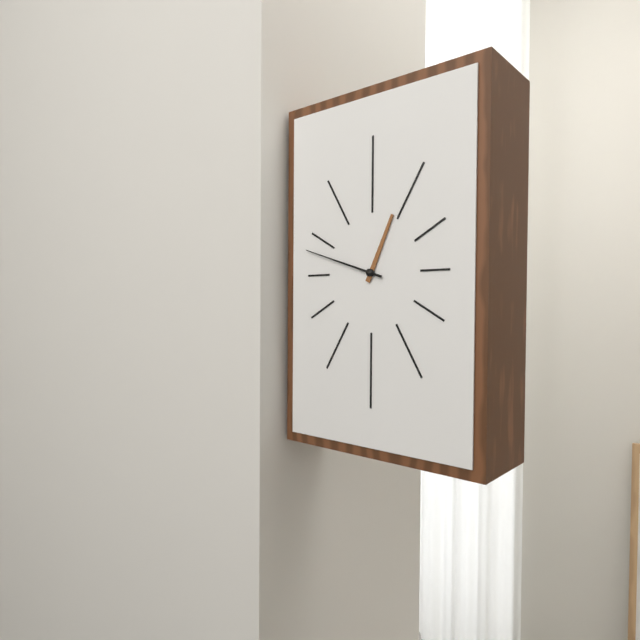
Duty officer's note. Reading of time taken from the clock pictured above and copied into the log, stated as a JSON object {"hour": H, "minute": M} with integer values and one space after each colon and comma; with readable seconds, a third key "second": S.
{"hour": 12, "minute": 48}
